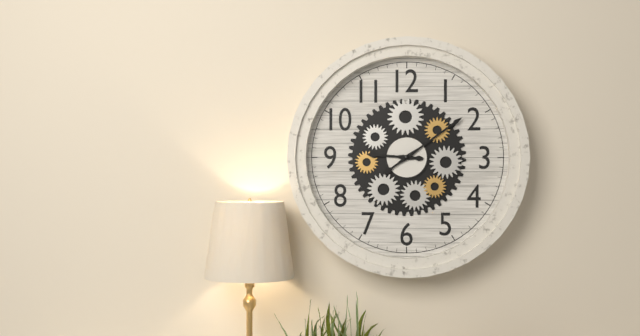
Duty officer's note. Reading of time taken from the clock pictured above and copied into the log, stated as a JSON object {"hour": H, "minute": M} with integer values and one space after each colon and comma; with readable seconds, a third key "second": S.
{"hour": 9, "minute": 9}
